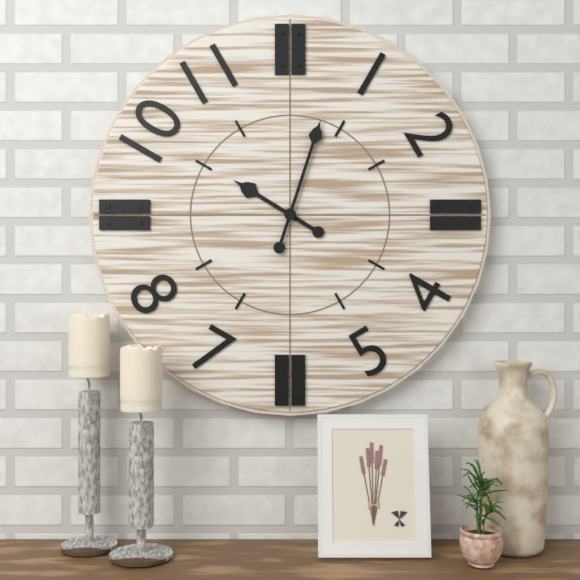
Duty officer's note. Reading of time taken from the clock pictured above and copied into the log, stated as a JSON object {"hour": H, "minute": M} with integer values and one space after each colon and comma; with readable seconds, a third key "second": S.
{"hour": 10, "minute": 3}
